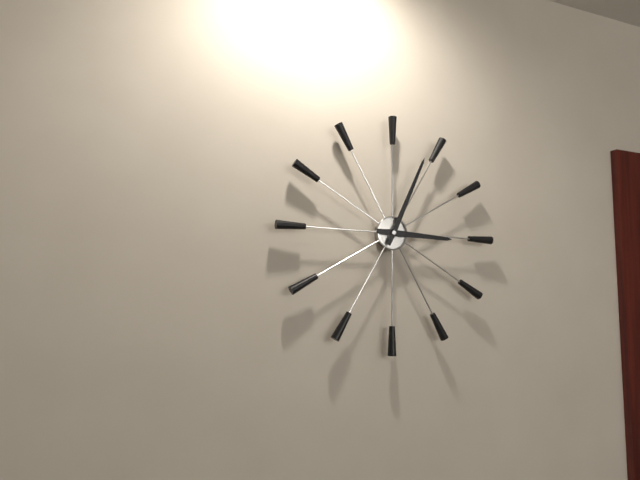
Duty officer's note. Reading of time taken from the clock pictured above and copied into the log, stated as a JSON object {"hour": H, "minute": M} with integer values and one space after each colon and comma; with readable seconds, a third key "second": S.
{"hour": 3, "minute": 4}
